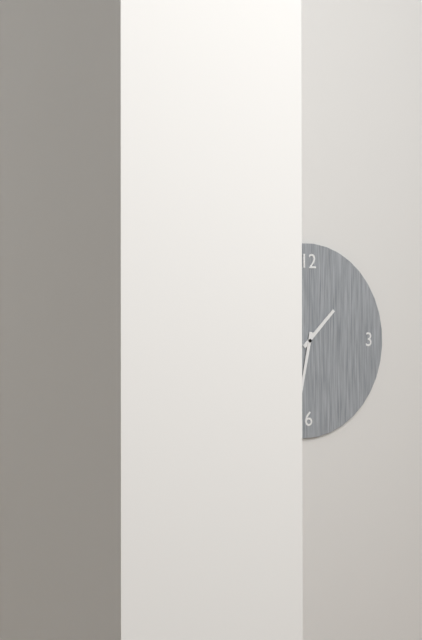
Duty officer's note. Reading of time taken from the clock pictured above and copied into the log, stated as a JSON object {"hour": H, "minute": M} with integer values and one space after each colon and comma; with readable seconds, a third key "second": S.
{"hour": 1, "minute": 32}
